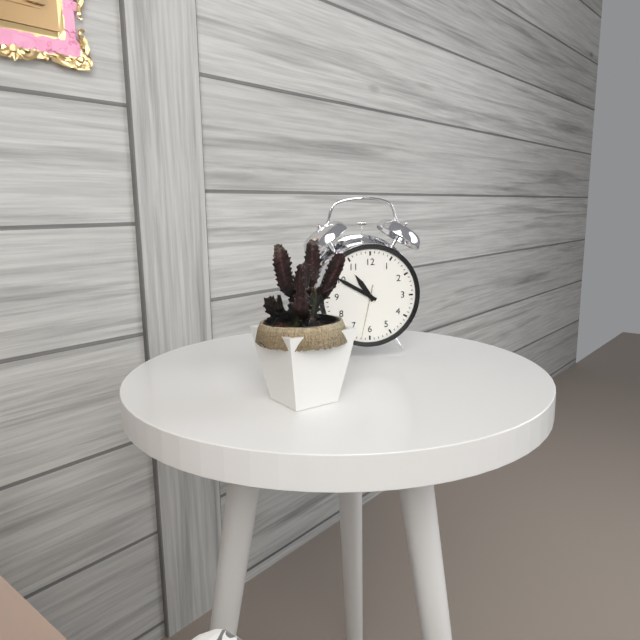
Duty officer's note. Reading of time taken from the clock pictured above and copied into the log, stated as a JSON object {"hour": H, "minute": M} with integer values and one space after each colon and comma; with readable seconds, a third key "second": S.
{"hour": 10, "minute": 50, "second": 32}
